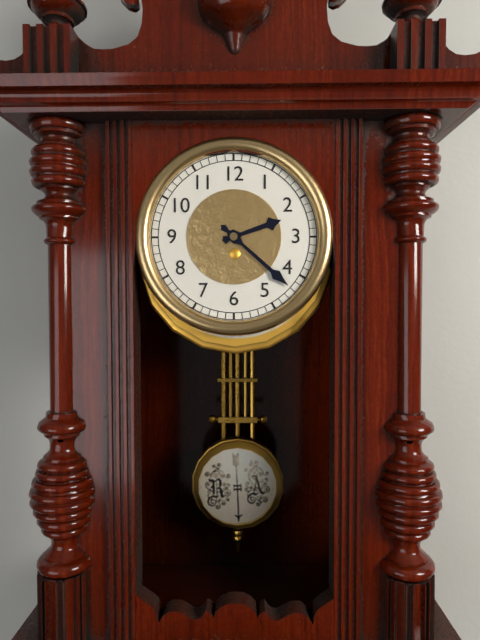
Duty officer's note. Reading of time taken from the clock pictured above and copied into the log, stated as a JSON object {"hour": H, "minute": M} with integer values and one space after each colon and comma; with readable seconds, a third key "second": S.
{"hour": 2, "minute": 22}
